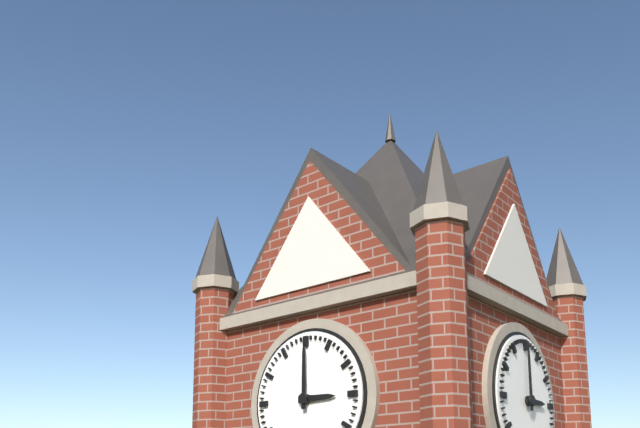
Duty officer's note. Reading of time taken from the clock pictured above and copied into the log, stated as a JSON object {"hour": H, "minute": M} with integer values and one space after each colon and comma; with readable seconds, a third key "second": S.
{"hour": 3, "minute": 0}
